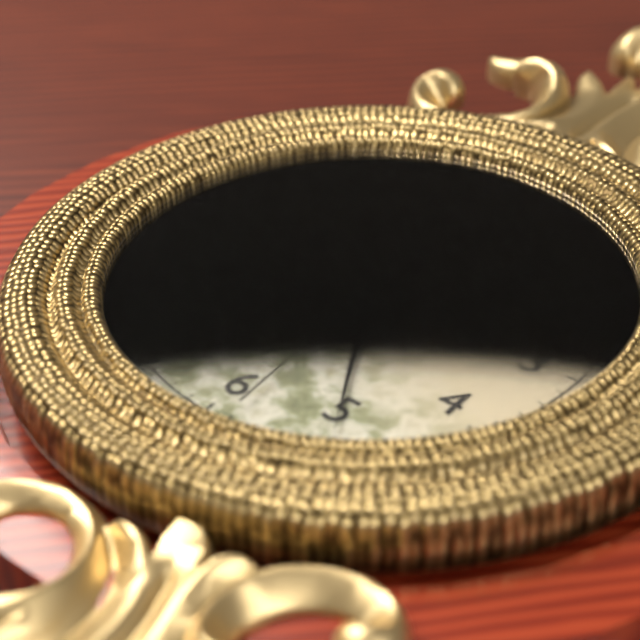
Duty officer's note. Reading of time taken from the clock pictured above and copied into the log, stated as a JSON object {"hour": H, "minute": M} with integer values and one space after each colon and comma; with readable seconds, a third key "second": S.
{"hour": 7, "minute": 25, "second": 29}
